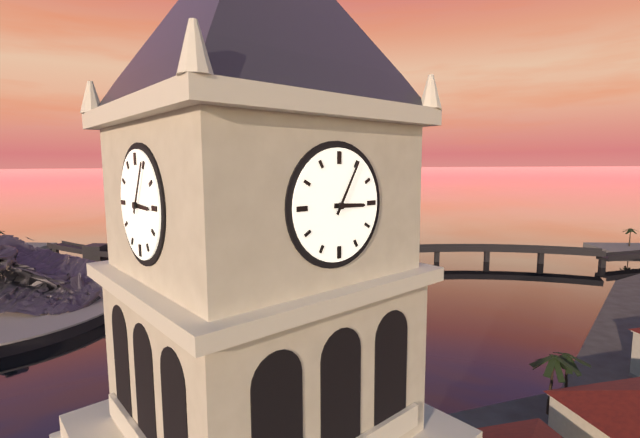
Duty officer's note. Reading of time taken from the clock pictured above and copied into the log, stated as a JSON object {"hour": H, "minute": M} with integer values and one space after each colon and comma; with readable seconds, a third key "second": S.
{"hour": 3, "minute": 5}
